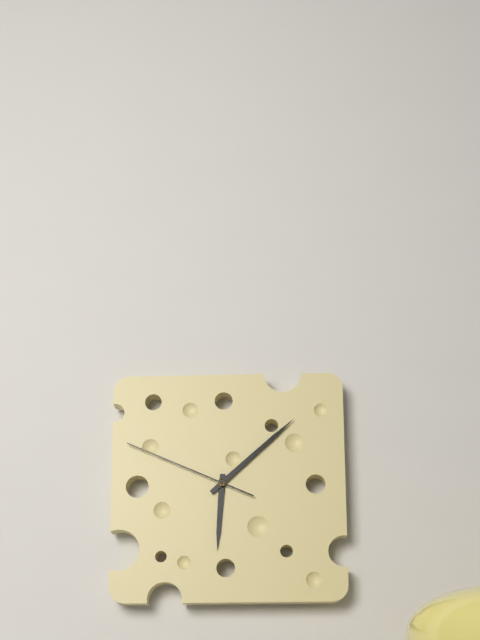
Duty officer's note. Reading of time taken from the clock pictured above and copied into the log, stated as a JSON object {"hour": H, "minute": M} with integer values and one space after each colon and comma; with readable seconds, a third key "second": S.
{"hour": 6, "minute": 8, "second": 49}
